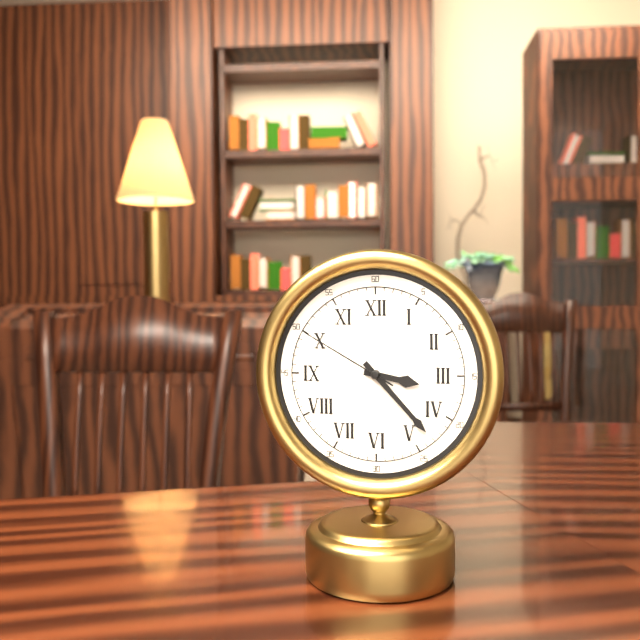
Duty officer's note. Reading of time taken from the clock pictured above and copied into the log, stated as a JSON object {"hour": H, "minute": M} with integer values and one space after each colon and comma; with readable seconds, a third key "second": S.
{"hour": 3, "minute": 23, "second": 50}
